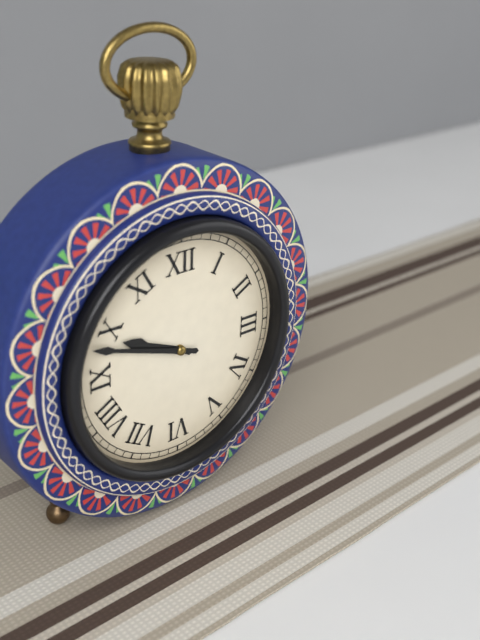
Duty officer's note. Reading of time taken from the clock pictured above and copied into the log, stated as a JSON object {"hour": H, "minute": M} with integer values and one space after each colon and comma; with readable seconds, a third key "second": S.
{"hour": 9, "minute": 48}
